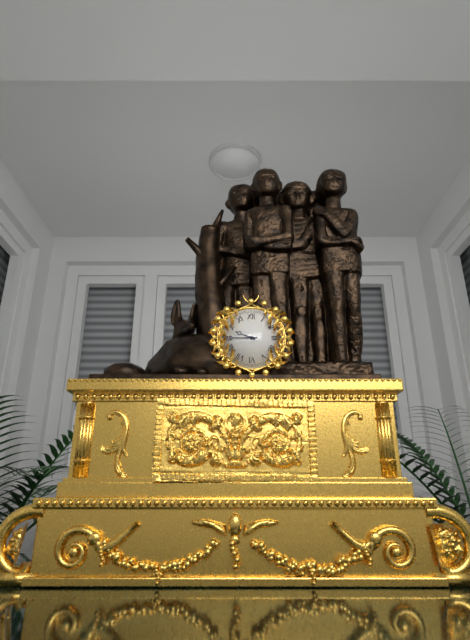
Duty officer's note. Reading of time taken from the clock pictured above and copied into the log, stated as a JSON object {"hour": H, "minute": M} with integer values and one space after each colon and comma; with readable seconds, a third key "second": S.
{"hour": 9, "minute": 45}
